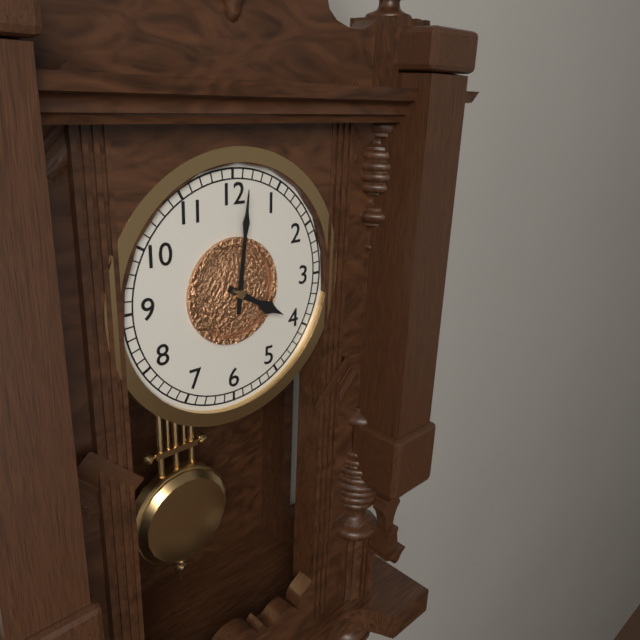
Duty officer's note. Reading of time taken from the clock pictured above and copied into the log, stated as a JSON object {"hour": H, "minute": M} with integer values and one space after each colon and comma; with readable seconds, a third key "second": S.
{"hour": 4, "minute": 1}
